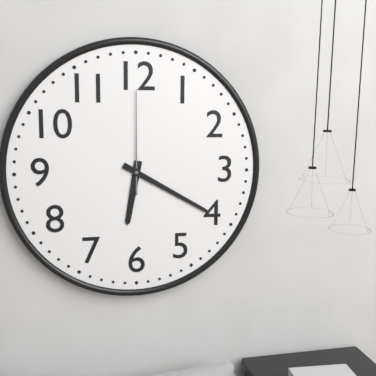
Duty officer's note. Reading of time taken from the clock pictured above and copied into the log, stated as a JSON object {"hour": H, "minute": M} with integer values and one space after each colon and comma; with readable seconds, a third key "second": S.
{"hour": 6, "minute": 20, "second": 0}
